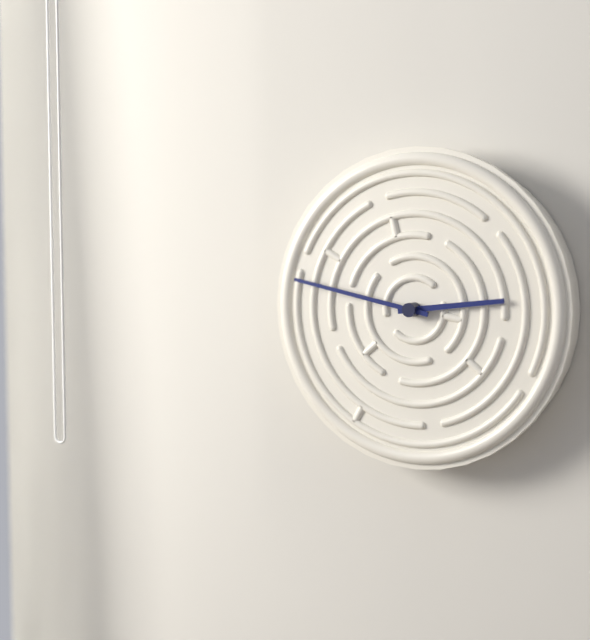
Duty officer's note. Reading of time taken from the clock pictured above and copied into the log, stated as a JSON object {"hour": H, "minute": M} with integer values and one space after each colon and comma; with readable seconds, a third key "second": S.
{"hour": 2, "minute": 47}
